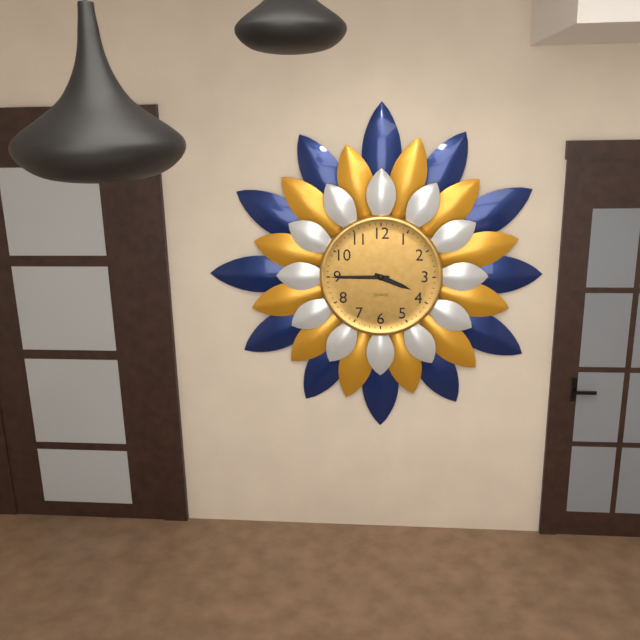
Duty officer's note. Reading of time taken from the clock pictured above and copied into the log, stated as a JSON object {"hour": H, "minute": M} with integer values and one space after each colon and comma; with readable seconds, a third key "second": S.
{"hour": 3, "minute": 45}
